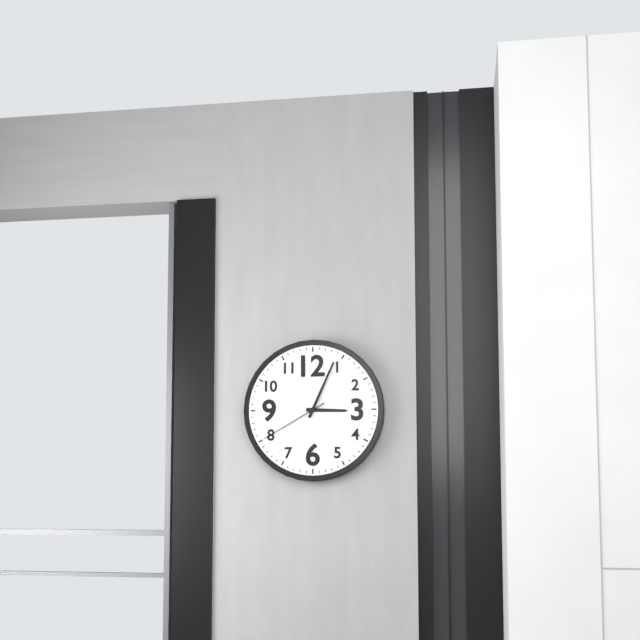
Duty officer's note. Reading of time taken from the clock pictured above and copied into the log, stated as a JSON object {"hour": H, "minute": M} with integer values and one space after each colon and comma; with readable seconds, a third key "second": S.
{"hour": 3, "minute": 4, "second": 40}
